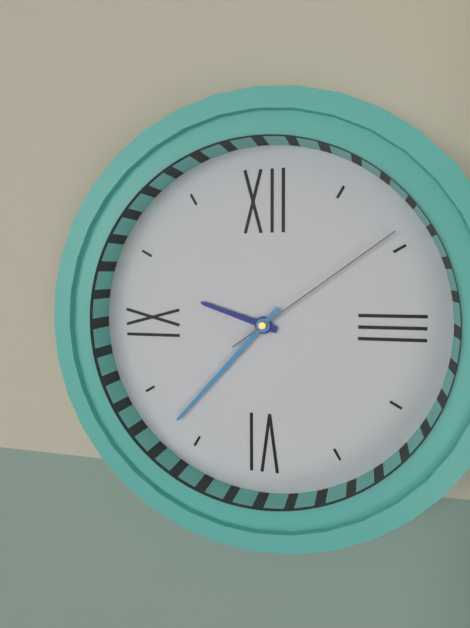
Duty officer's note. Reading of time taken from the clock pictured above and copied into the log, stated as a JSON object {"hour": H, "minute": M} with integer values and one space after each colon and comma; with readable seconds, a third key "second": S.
{"hour": 9, "minute": 37, "second": 9}
